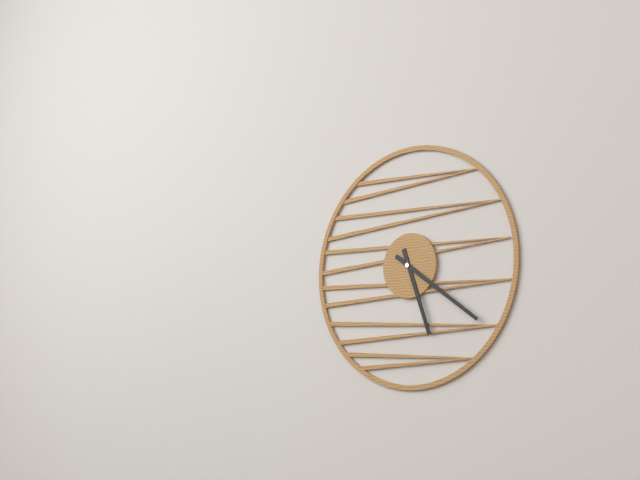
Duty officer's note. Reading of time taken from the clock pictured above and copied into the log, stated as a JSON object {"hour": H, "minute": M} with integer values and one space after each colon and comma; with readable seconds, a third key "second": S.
{"hour": 5, "minute": 21}
